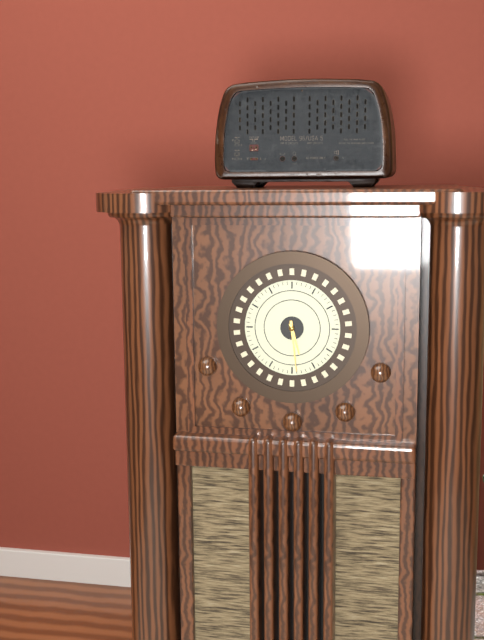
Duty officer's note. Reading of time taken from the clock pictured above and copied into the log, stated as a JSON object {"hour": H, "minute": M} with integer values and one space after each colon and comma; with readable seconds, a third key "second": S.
{"hour": 5, "minute": 29}
